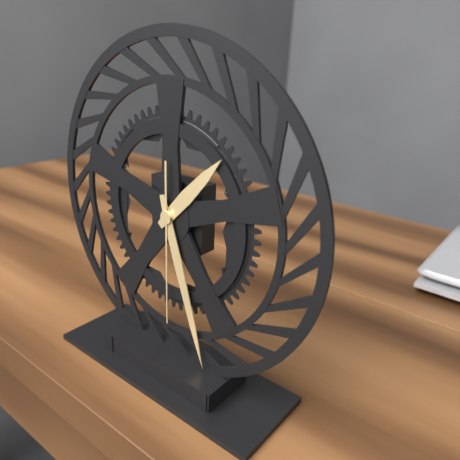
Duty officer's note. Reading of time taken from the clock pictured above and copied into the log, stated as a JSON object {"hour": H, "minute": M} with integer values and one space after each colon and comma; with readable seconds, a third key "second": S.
{"hour": 1, "minute": 27, "second": 30}
